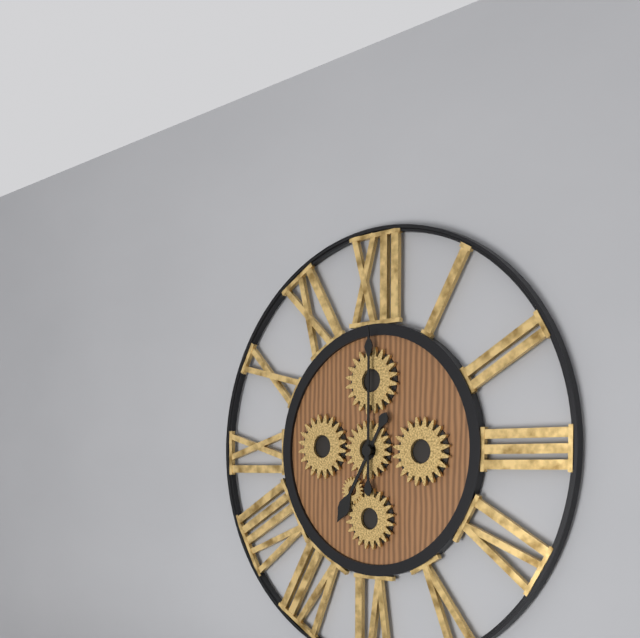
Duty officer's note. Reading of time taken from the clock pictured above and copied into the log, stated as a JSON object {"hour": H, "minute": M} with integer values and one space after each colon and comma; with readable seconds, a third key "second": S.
{"hour": 7, "minute": 0}
